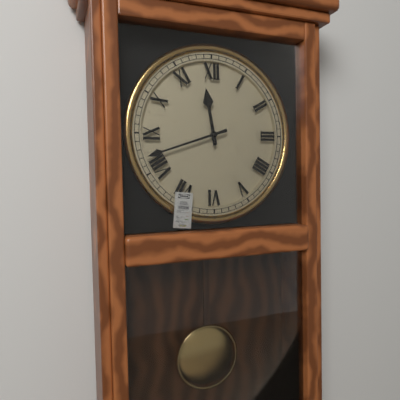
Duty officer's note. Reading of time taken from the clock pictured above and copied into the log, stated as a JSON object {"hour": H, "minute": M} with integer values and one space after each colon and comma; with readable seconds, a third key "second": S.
{"hour": 11, "minute": 42}
